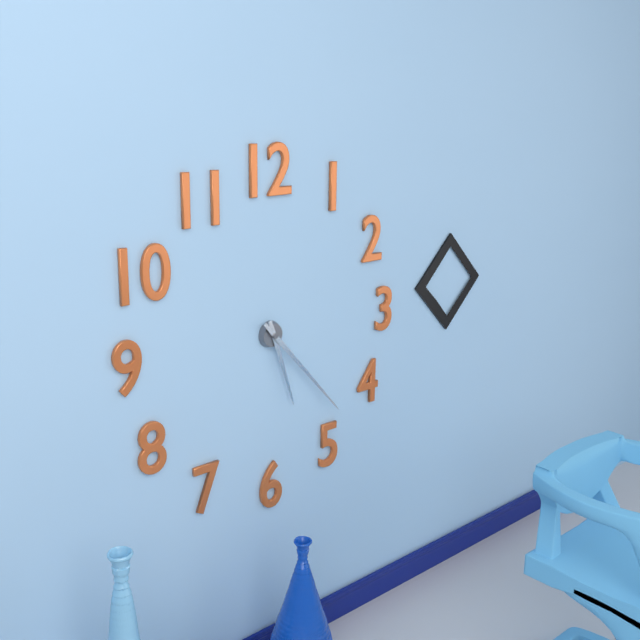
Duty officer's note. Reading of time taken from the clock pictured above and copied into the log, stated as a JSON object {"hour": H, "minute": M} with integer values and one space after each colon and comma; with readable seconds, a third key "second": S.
{"hour": 5, "minute": 23}
